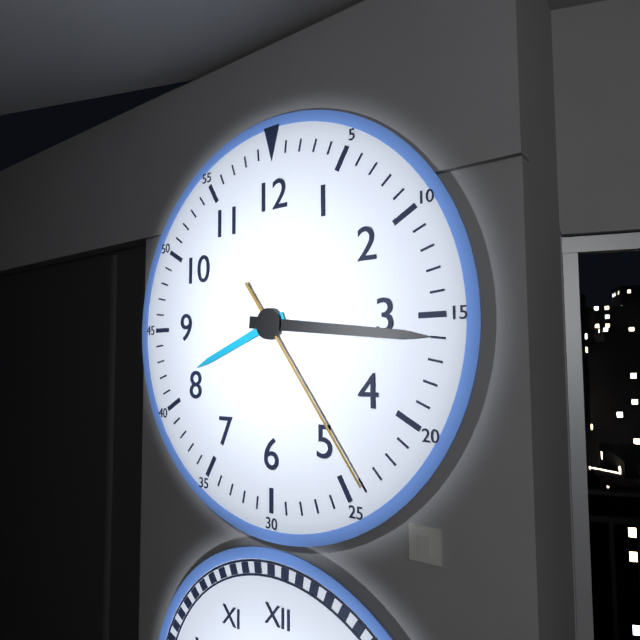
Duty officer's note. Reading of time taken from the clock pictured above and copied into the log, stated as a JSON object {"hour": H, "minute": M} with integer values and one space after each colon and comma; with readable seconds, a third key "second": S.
{"hour": 8, "minute": 16, "second": 24}
